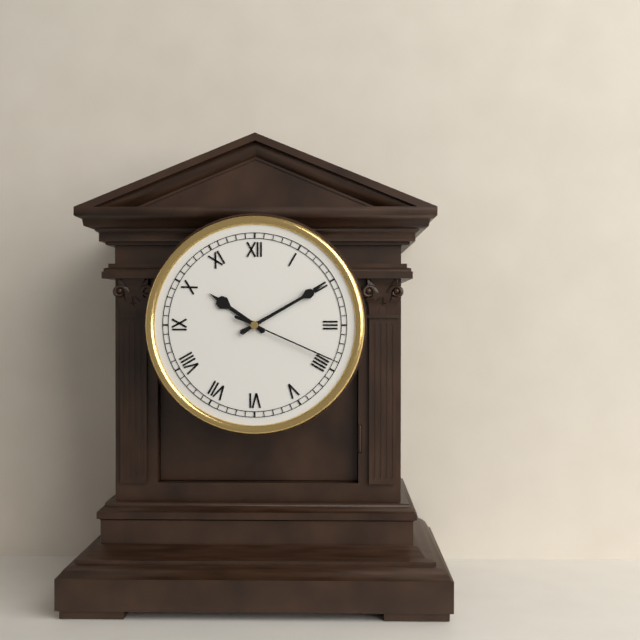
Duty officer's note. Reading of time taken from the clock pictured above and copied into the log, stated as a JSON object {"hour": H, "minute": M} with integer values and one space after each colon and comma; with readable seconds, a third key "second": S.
{"hour": 10, "minute": 10, "second": 19}
